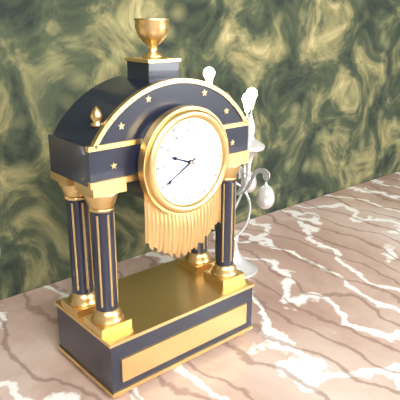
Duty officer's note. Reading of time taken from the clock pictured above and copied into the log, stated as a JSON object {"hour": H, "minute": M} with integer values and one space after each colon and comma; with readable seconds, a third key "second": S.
{"hour": 9, "minute": 40}
